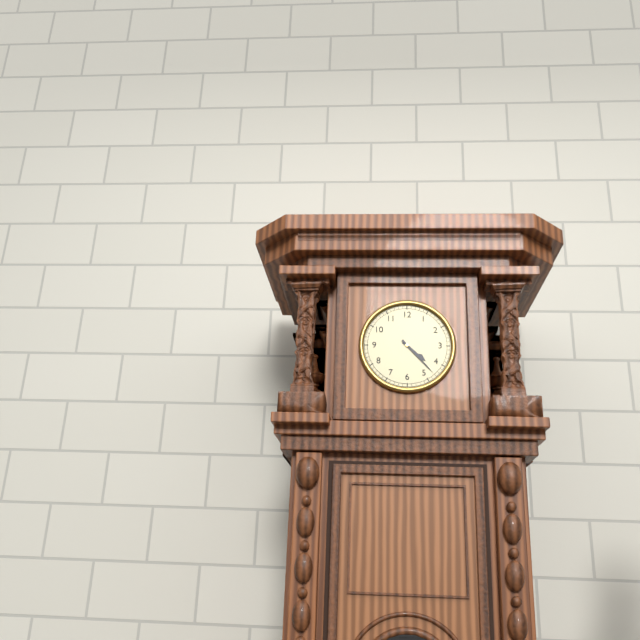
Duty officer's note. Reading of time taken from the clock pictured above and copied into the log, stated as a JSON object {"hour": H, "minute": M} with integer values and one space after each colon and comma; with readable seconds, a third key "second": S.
{"hour": 4, "minute": 23}
